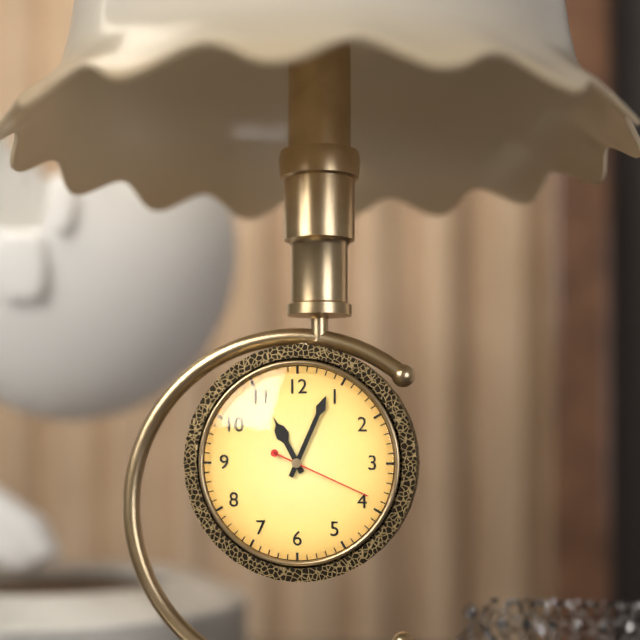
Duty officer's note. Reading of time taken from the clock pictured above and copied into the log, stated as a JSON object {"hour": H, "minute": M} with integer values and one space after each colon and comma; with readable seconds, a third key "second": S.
{"hour": 11, "minute": 4, "second": 19}
